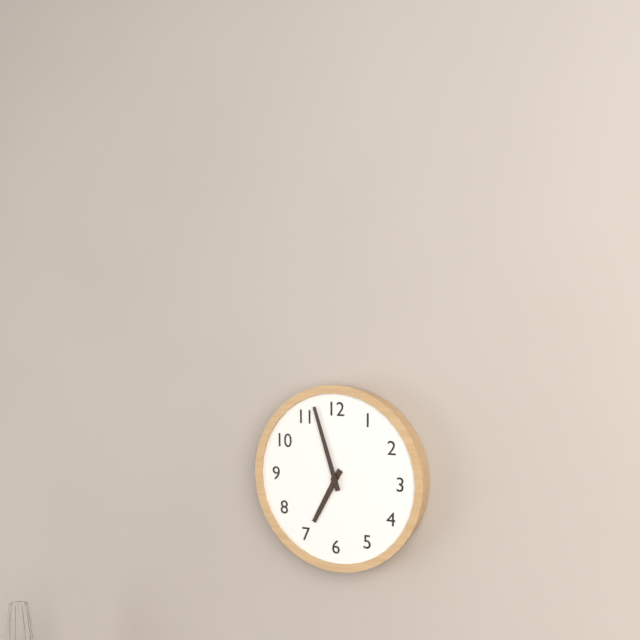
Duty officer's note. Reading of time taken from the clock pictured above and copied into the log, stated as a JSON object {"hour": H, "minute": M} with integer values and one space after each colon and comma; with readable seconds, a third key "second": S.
{"hour": 6, "minute": 57}
